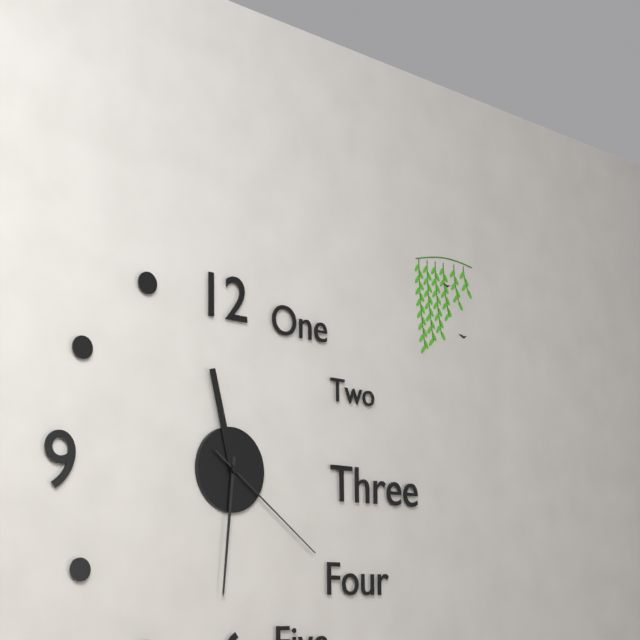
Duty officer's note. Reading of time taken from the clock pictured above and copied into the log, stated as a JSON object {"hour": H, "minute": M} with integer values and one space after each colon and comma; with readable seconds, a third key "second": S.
{"hour": 11, "minute": 31, "second": 21}
